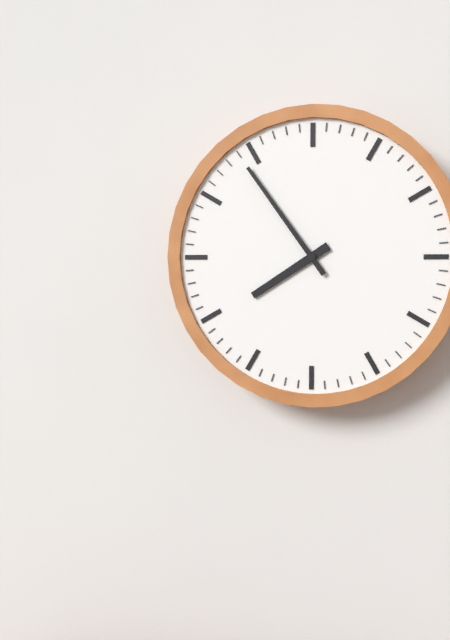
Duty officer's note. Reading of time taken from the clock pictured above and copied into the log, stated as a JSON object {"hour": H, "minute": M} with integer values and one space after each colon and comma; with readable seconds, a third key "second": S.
{"hour": 7, "minute": 54}
